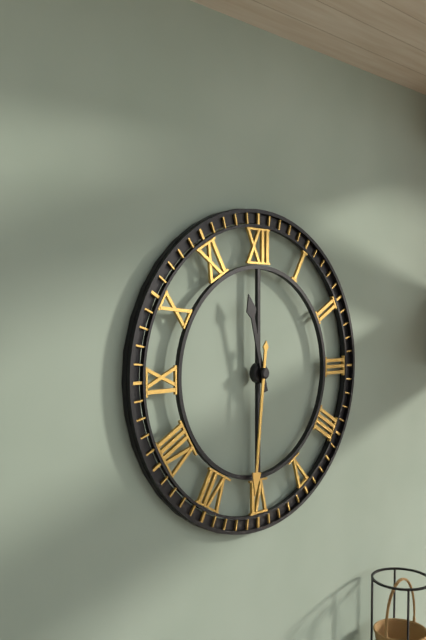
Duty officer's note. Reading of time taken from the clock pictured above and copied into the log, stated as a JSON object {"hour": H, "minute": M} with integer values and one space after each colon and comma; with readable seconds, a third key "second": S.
{"hour": 11, "minute": 31}
